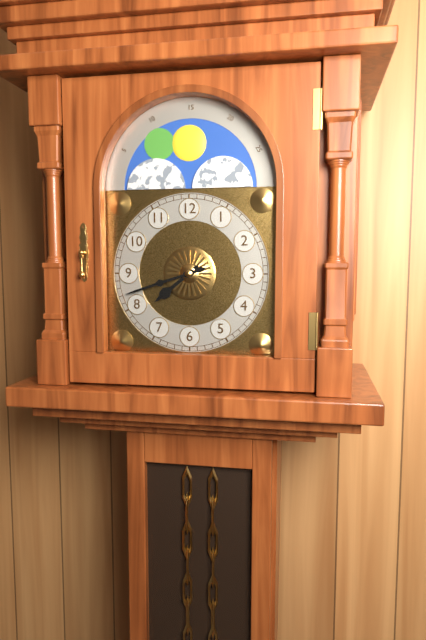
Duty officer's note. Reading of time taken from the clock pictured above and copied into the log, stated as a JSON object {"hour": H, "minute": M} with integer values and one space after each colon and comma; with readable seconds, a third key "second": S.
{"hour": 7, "minute": 42}
